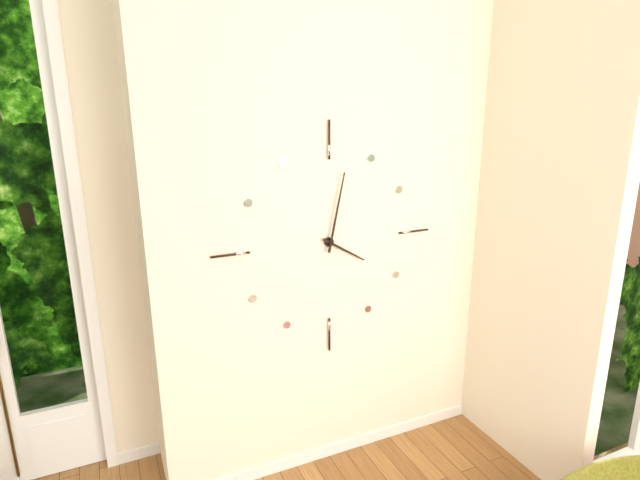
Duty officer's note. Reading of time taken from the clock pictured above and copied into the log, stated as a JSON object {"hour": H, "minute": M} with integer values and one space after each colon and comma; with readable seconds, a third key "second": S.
{"hour": 4, "minute": 2}
